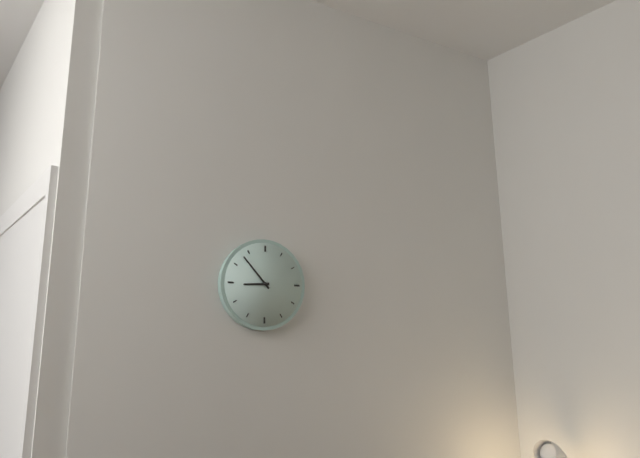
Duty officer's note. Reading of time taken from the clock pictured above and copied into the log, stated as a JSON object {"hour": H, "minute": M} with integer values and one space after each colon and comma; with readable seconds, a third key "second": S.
{"hour": 8, "minute": 53}
